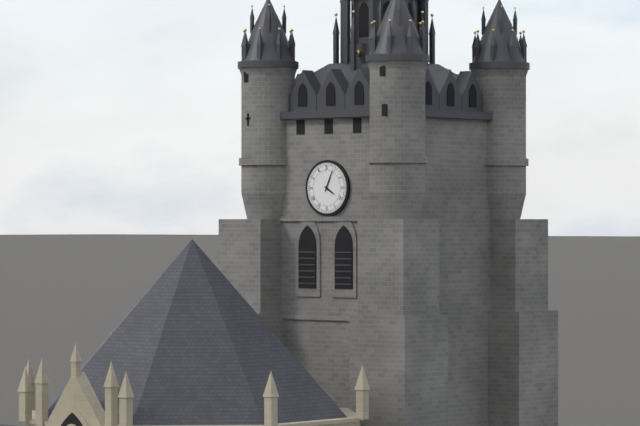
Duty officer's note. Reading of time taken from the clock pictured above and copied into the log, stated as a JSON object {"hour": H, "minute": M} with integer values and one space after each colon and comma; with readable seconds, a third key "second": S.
{"hour": 4, "minute": 4}
